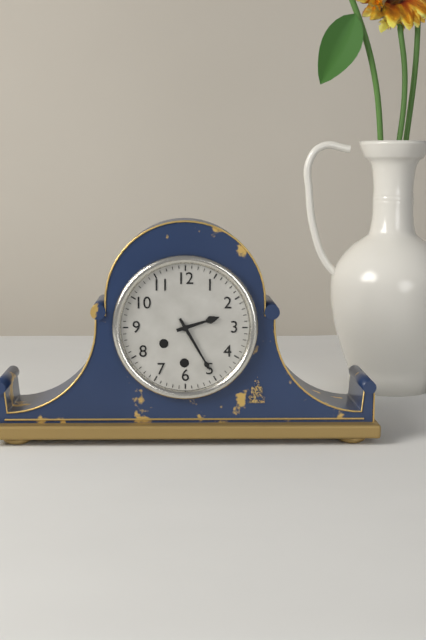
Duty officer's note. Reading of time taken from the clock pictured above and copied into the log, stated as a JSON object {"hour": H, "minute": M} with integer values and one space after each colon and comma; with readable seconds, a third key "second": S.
{"hour": 2, "minute": 25}
